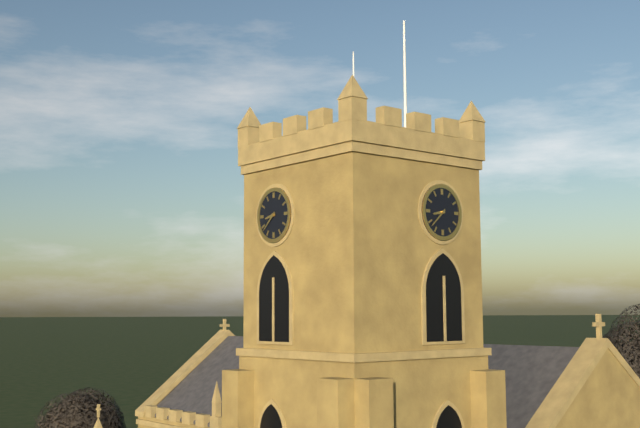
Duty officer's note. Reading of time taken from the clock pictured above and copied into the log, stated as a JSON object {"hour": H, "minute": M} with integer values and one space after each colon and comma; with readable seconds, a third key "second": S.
{"hour": 8, "minute": 38}
